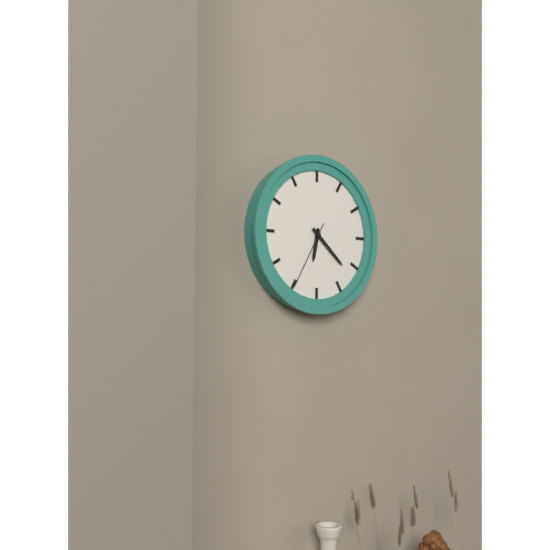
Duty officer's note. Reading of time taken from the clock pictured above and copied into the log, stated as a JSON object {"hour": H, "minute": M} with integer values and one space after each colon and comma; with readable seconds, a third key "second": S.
{"hour": 6, "minute": 22, "second": 35}
